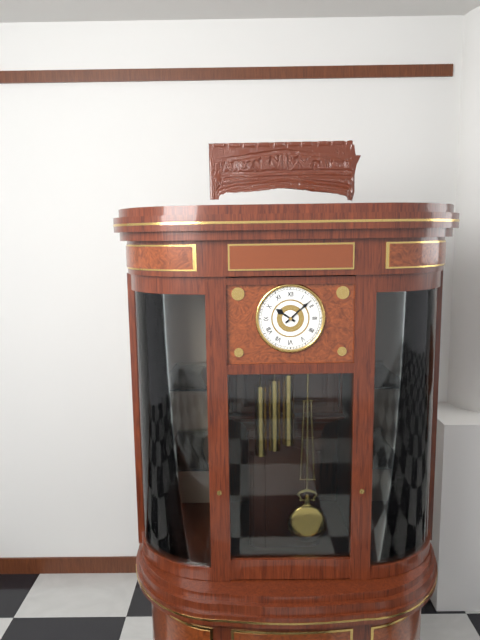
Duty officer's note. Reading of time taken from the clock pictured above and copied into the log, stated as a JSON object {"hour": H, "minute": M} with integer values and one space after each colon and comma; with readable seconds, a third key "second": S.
{"hour": 10, "minute": 8}
